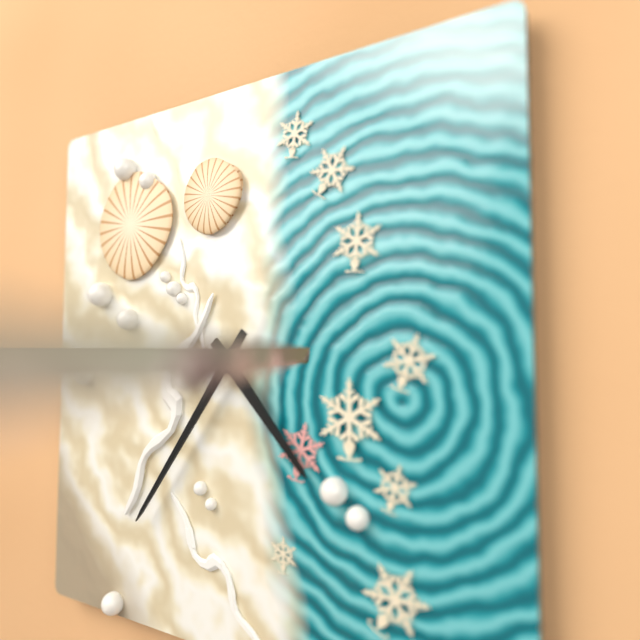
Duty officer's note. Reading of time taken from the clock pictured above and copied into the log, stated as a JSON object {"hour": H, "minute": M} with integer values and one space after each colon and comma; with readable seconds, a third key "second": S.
{"hour": 4, "minute": 36}
